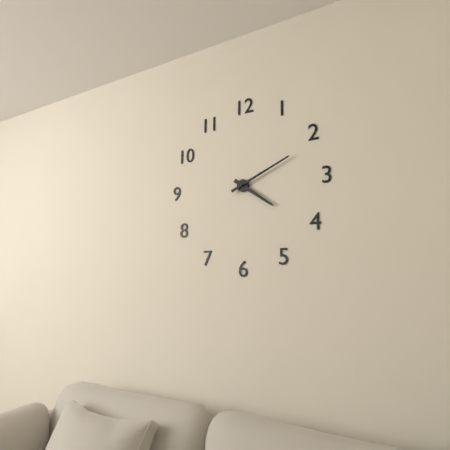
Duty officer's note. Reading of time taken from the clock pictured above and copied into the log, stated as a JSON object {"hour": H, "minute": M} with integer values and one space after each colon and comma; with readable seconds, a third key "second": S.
{"hour": 4, "minute": 11}
